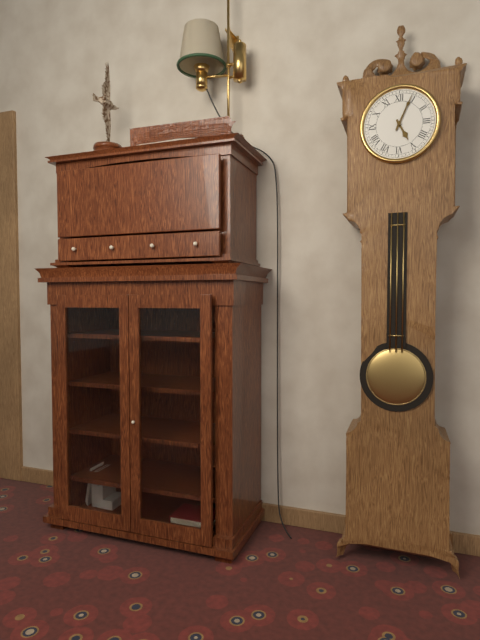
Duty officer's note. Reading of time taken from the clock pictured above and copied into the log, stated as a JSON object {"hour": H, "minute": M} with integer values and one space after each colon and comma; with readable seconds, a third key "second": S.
{"hour": 5, "minute": 4}
